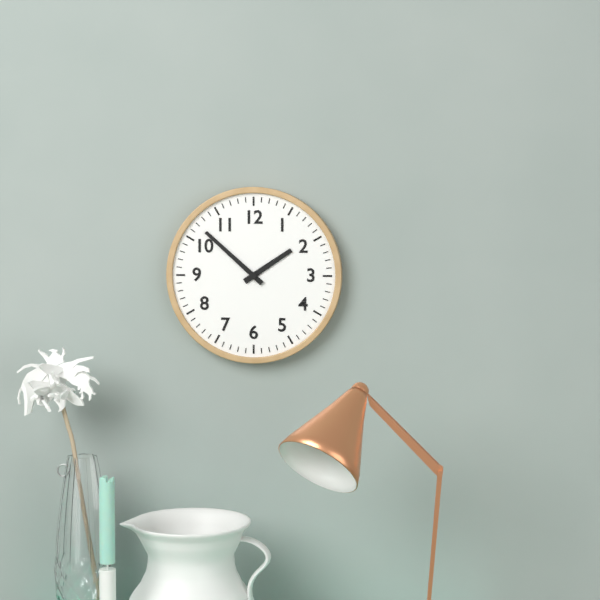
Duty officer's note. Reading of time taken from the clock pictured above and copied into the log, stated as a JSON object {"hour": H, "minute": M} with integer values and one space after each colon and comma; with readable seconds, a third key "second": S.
{"hour": 1, "minute": 52}
